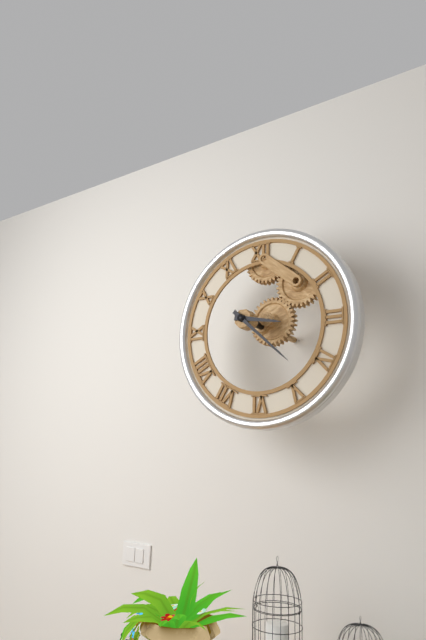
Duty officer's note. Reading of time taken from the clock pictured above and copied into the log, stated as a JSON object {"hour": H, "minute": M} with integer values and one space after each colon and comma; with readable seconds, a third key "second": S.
{"hour": 3, "minute": 22}
